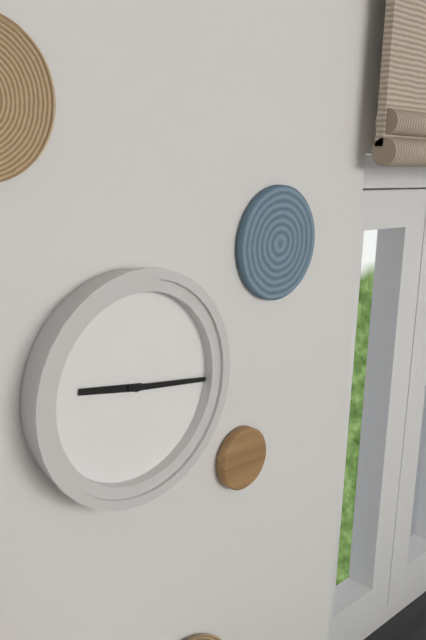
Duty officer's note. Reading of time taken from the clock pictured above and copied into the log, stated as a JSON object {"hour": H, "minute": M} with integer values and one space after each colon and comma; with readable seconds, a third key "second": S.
{"hour": 9, "minute": 16}
